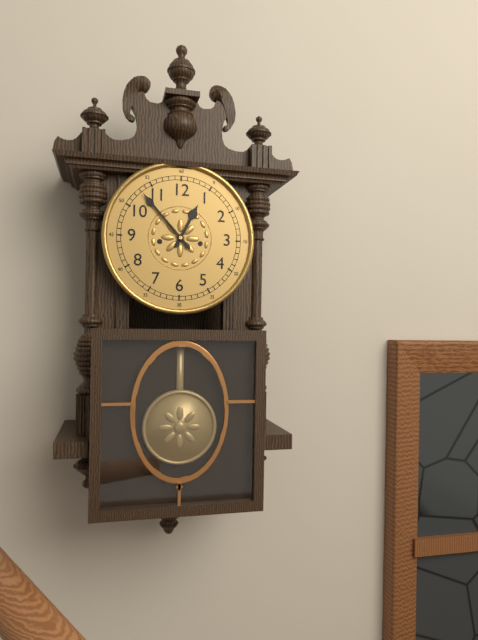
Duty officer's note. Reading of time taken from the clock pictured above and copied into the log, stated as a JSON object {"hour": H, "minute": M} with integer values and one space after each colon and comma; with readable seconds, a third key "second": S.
{"hour": 12, "minute": 53}
